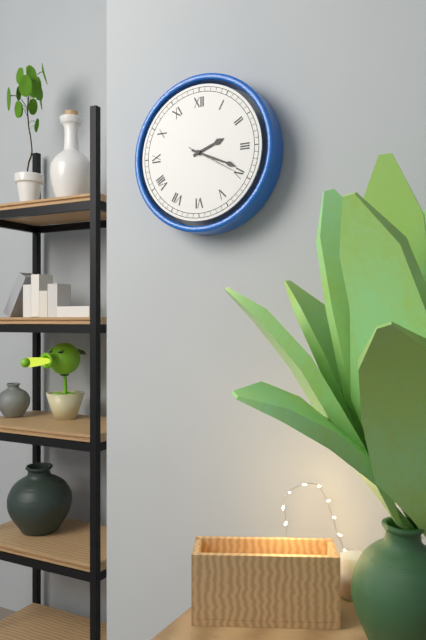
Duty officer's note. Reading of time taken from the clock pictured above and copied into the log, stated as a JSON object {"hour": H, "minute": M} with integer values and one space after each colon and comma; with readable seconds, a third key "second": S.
{"hour": 2, "minute": 19, "second": 20}
